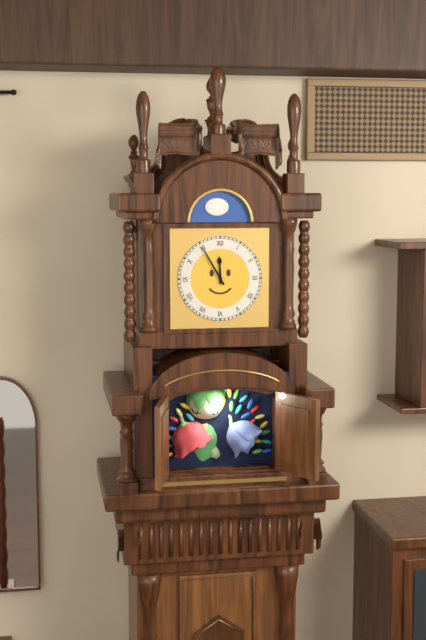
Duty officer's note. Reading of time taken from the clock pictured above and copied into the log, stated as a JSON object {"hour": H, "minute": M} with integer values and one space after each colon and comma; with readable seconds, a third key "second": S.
{"hour": 11, "minute": 55}
